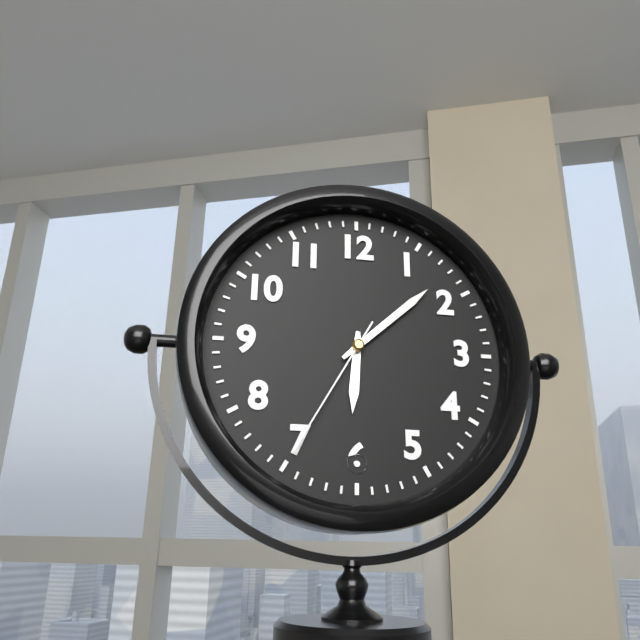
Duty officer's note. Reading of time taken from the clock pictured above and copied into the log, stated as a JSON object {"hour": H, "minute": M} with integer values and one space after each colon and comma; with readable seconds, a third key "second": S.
{"hour": 6, "minute": 8, "second": 35}
